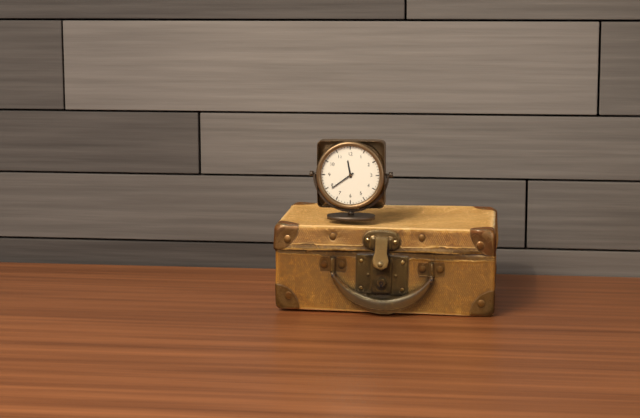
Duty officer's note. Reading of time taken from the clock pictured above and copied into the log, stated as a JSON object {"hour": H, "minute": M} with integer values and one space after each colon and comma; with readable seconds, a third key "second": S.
{"hour": 11, "minute": 39}
